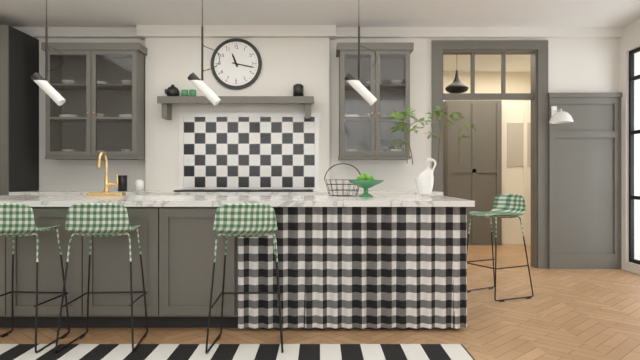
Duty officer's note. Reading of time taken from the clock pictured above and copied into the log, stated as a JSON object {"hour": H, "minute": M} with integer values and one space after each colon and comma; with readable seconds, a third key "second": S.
{"hour": 11, "minute": 17}
